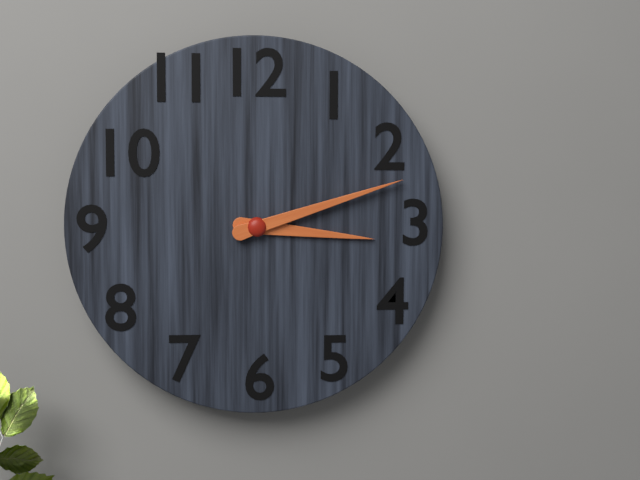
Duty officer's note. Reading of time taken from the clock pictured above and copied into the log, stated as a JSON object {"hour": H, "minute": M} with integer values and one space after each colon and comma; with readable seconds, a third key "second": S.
{"hour": 3, "minute": 12}
